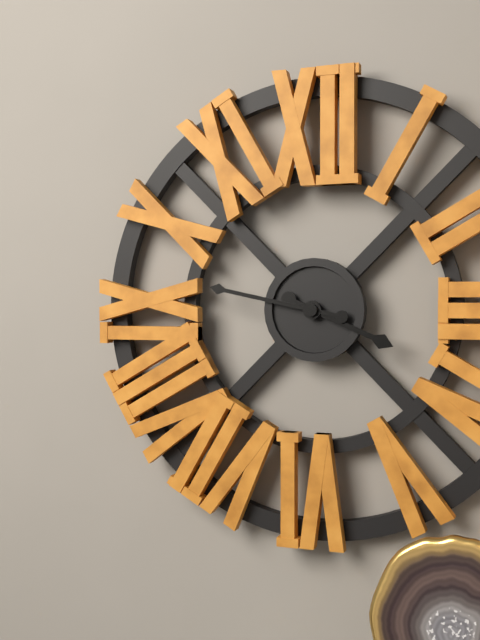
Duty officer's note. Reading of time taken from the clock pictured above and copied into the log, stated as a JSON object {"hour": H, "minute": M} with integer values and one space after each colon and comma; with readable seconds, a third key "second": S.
{"hour": 3, "minute": 47}
